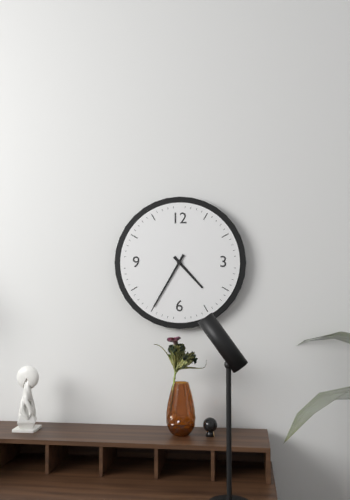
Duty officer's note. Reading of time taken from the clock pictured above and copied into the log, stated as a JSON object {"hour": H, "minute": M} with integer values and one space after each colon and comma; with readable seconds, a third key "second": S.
{"hour": 4, "minute": 35}
